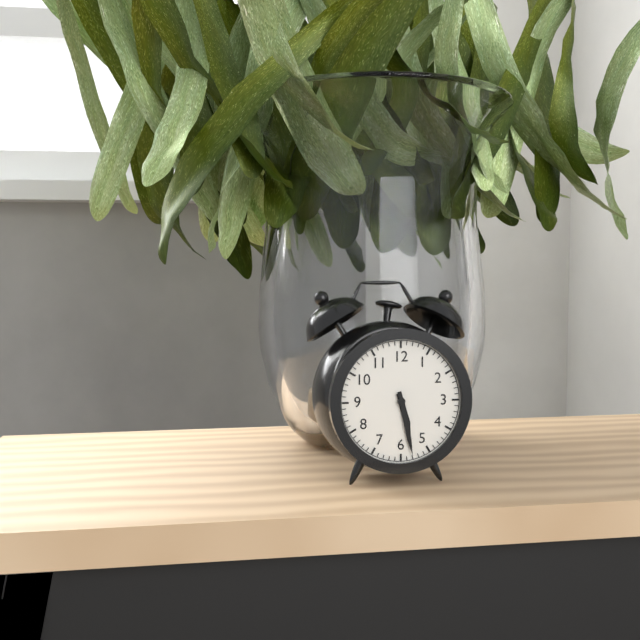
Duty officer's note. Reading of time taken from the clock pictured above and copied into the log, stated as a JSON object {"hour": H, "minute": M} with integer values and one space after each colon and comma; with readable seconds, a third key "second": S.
{"hour": 5, "minute": 28}
